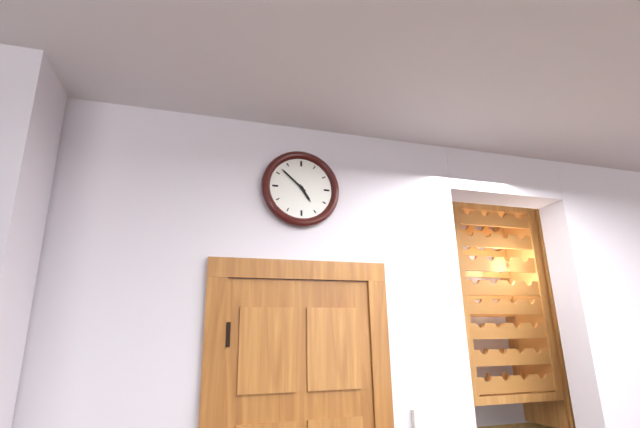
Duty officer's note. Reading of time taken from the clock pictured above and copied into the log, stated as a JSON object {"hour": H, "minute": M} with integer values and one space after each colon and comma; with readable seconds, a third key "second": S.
{"hour": 4, "minute": 52}
